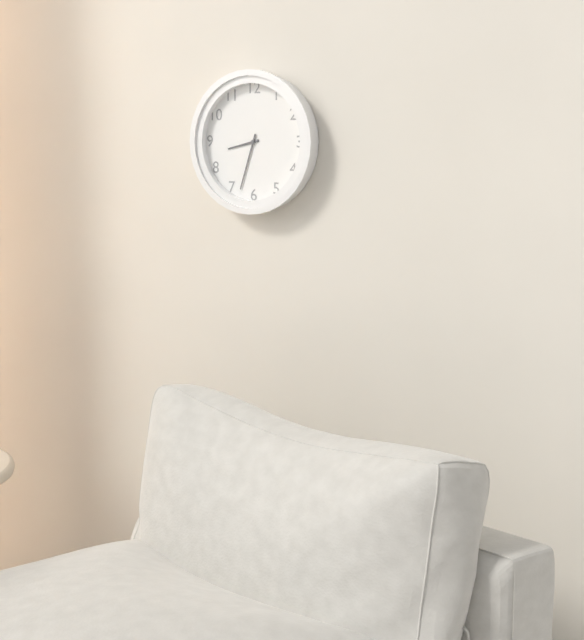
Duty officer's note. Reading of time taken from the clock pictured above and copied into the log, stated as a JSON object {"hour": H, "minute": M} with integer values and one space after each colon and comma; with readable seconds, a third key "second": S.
{"hour": 8, "minute": 33}
